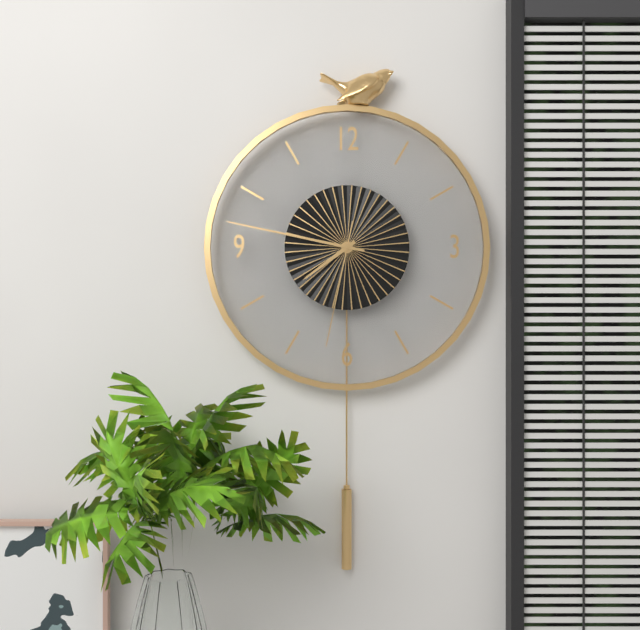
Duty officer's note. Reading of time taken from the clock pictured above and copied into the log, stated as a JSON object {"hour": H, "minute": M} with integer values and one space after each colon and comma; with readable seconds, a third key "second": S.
{"hour": 7, "minute": 47, "second": 32}
